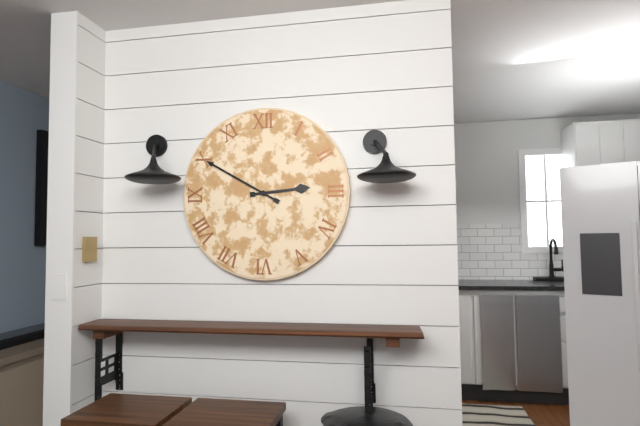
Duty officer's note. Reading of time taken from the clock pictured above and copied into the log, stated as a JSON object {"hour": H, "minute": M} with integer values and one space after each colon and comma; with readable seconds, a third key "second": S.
{"hour": 2, "minute": 50}
